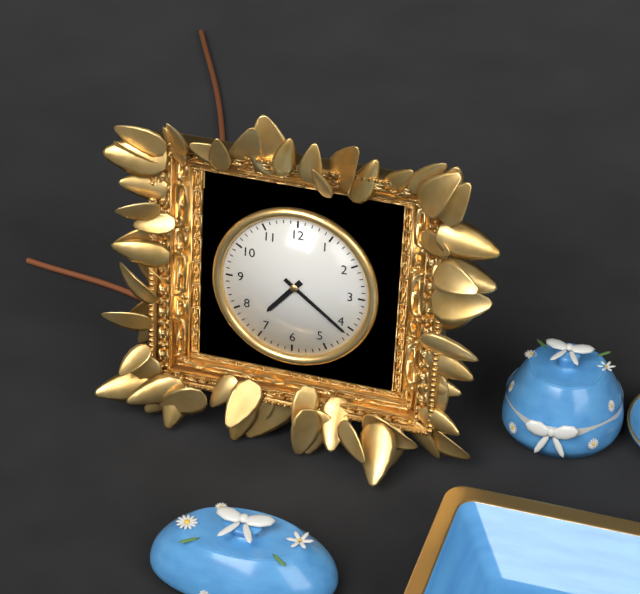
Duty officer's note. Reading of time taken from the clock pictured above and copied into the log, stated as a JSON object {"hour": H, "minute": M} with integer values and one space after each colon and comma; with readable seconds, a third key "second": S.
{"hour": 7, "minute": 21}
